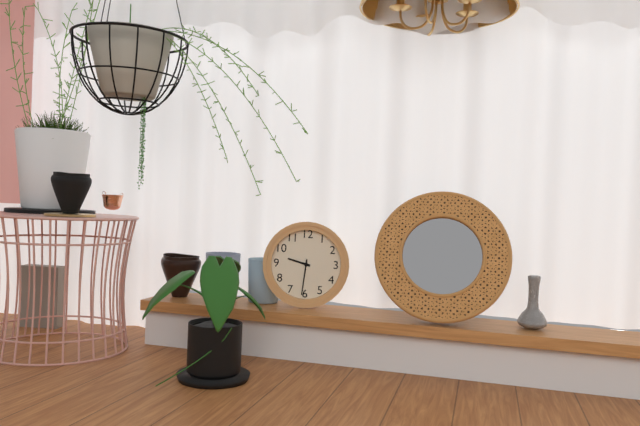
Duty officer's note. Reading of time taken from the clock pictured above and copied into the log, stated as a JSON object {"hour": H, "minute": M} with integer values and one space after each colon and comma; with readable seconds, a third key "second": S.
{"hour": 9, "minute": 31}
